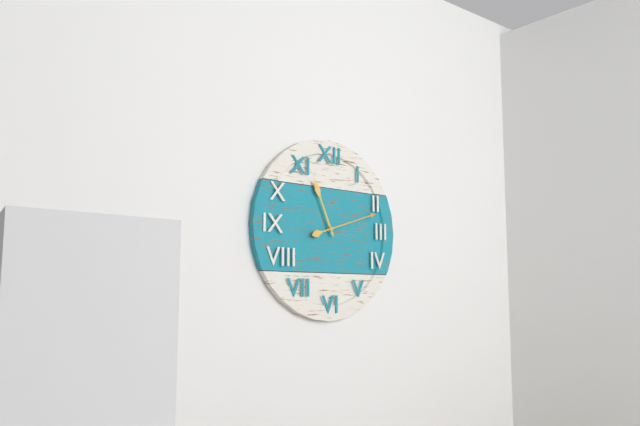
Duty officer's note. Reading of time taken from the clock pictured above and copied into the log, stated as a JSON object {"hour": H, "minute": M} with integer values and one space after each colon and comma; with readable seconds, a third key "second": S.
{"hour": 11, "minute": 12}
